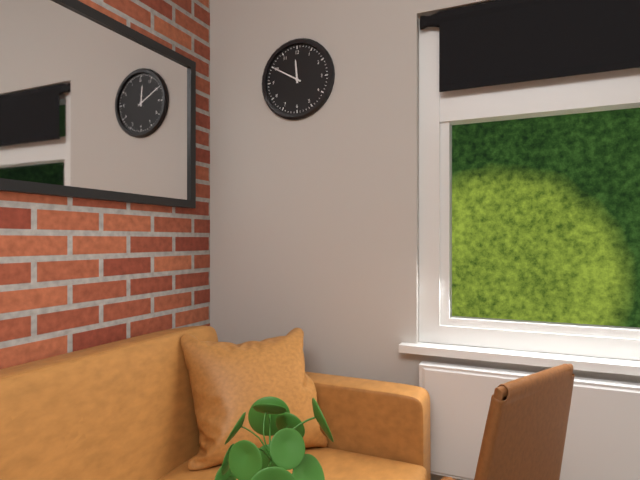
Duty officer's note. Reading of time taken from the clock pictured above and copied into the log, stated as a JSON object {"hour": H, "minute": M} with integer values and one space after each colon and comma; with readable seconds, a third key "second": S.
{"hour": 11, "minute": 50}
